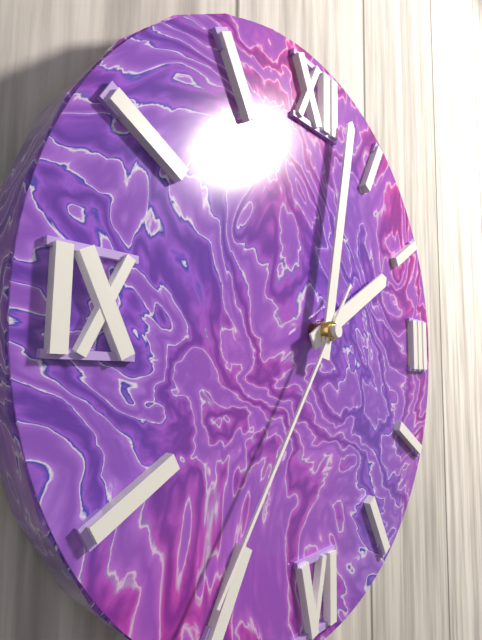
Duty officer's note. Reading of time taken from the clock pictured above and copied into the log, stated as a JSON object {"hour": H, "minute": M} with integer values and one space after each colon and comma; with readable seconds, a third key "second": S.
{"hour": 2, "minute": 2, "second": 36}
